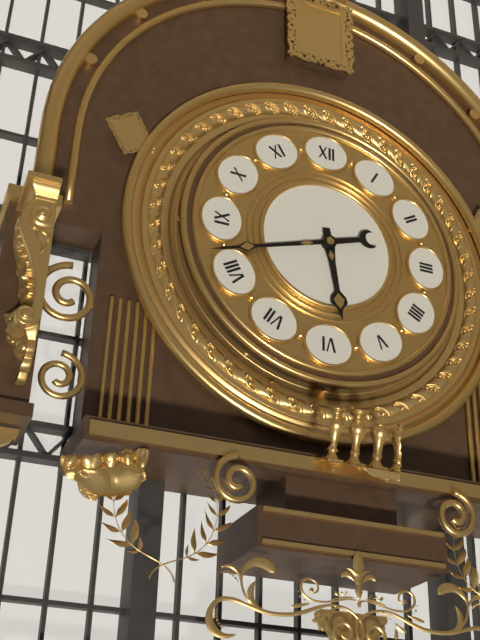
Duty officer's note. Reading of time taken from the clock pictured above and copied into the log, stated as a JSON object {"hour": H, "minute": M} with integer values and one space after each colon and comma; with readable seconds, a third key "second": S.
{"hour": 5, "minute": 42}
